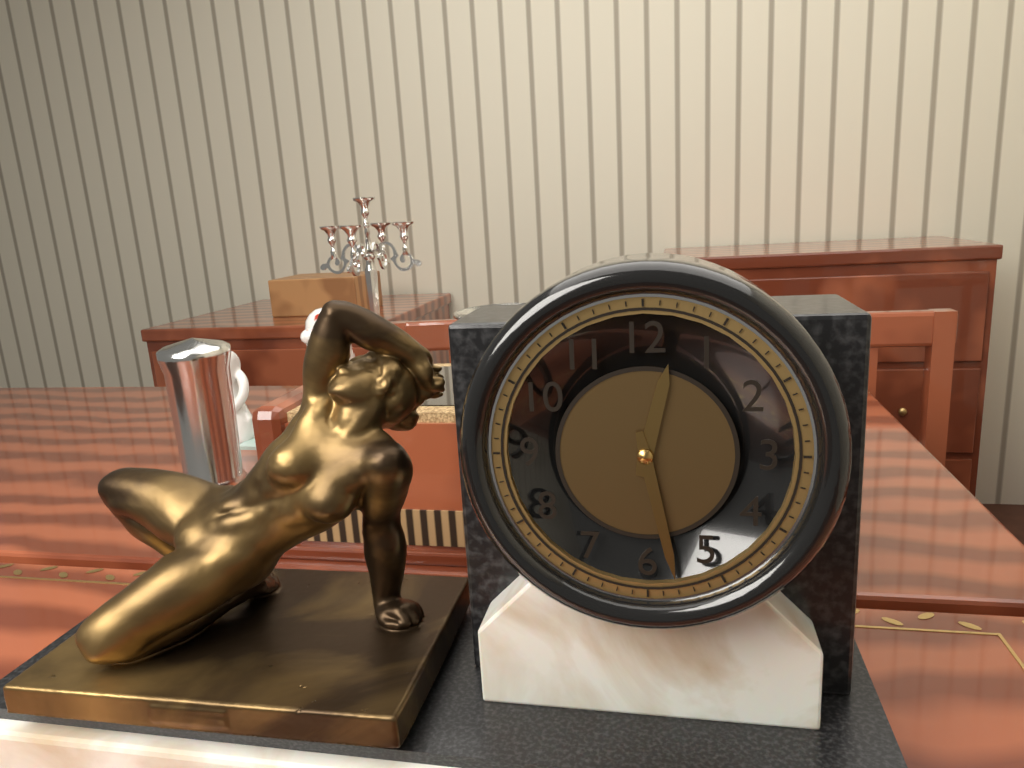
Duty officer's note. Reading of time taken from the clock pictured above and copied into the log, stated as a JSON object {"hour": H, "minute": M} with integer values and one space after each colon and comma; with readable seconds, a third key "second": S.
{"hour": 12, "minute": 28}
